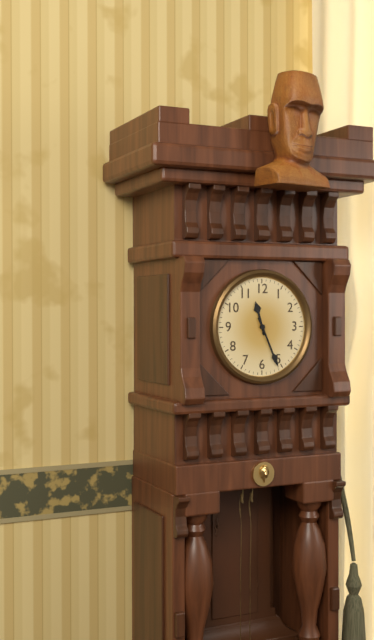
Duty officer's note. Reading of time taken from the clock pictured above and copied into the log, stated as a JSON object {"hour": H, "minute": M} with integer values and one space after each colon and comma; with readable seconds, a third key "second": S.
{"hour": 11, "minute": 26}
